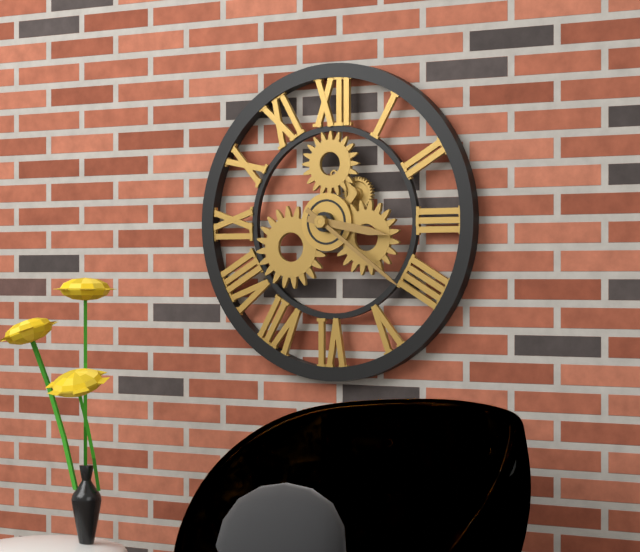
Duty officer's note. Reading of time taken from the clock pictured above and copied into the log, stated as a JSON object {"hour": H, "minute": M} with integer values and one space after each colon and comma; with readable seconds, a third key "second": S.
{"hour": 3, "minute": 21}
